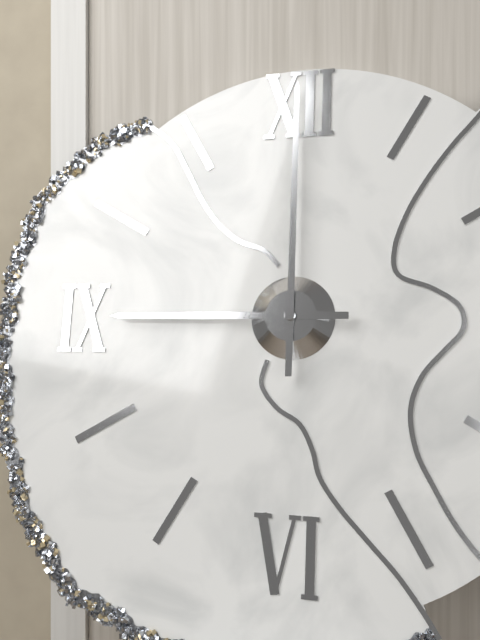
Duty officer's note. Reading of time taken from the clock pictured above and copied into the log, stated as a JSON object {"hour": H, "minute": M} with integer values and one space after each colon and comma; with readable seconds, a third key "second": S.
{"hour": 9, "minute": 0}
